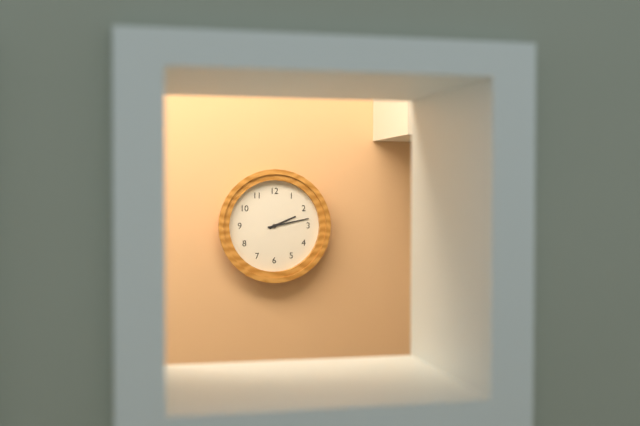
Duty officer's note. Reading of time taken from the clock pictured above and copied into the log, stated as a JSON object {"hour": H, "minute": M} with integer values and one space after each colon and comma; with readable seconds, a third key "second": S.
{"hour": 2, "minute": 13}
